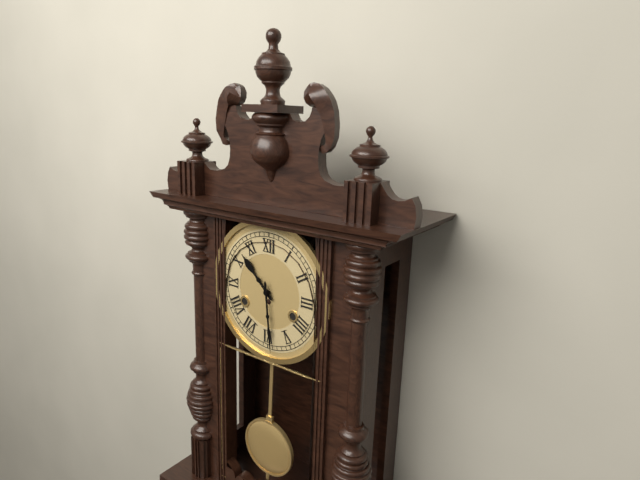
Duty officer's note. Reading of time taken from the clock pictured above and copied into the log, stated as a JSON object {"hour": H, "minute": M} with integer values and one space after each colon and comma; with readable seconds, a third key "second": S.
{"hour": 10, "minute": 29}
